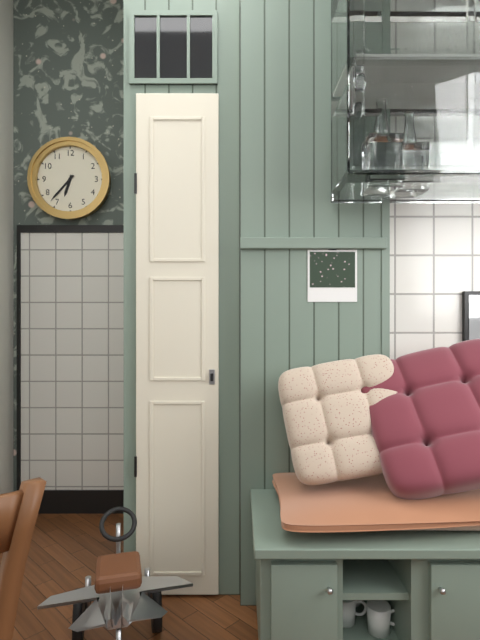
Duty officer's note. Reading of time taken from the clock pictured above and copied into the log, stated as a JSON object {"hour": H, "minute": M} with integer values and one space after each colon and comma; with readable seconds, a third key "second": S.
{"hour": 6, "minute": 37}
